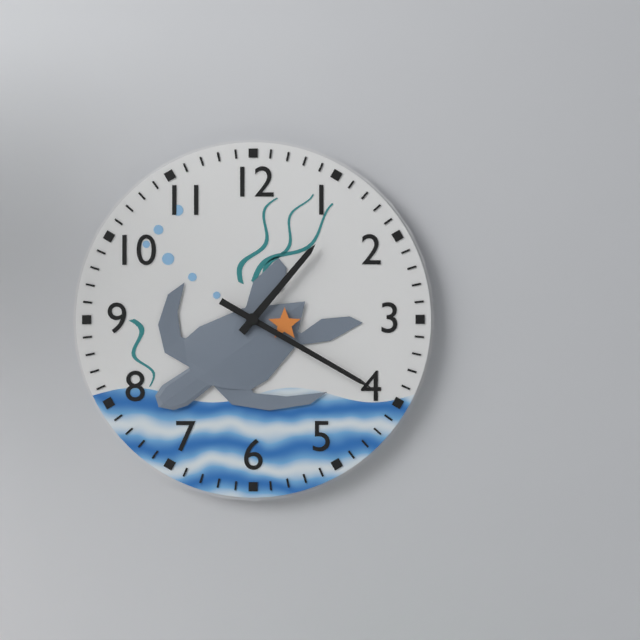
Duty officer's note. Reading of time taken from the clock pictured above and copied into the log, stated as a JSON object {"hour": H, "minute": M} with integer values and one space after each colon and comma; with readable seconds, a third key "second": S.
{"hour": 1, "minute": 20}
